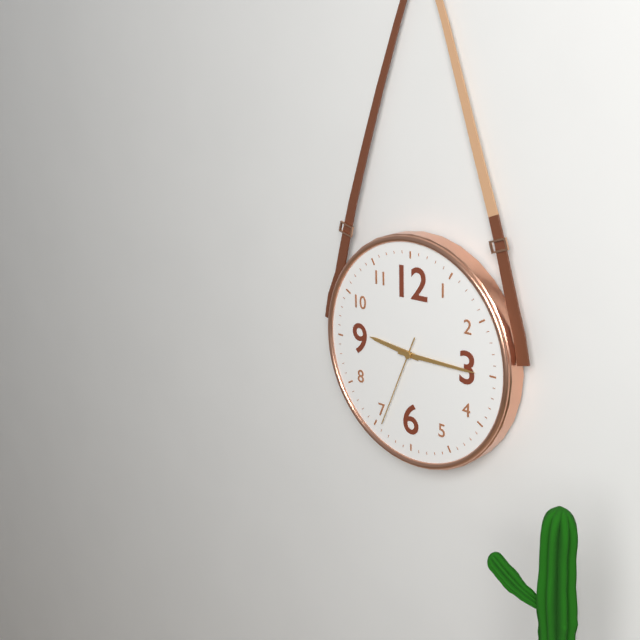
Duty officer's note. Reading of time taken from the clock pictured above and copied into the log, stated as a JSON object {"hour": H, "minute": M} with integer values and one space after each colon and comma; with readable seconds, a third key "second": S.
{"hour": 9, "minute": 15, "second": 34}
